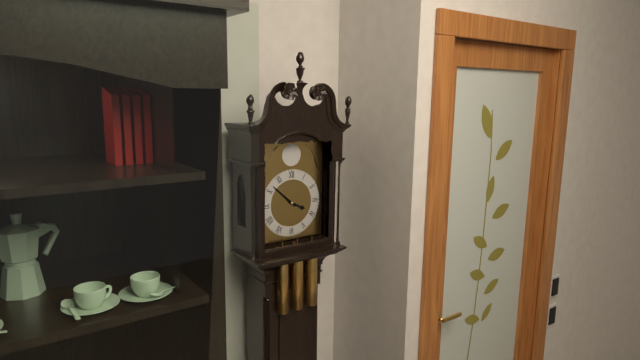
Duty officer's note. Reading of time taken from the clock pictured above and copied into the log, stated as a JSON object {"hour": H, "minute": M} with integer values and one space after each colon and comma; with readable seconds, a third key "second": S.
{"hour": 3, "minute": 52}
